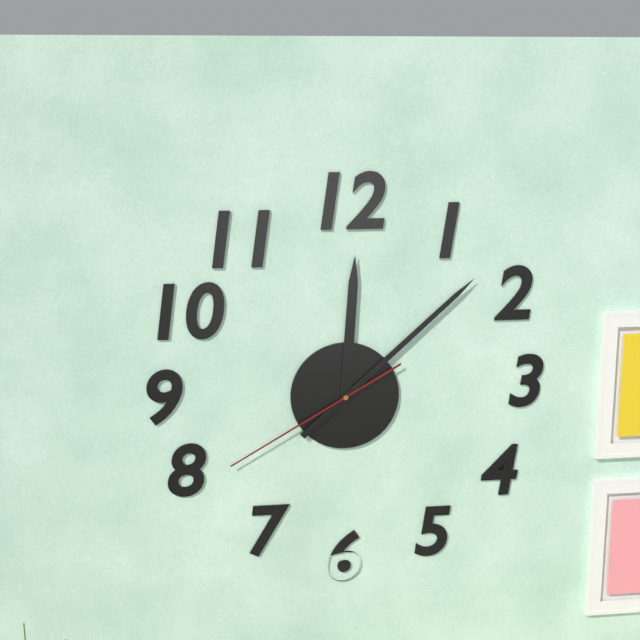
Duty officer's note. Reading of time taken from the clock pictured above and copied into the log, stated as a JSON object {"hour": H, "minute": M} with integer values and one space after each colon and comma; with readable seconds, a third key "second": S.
{"hour": 12, "minute": 8, "second": 40}
